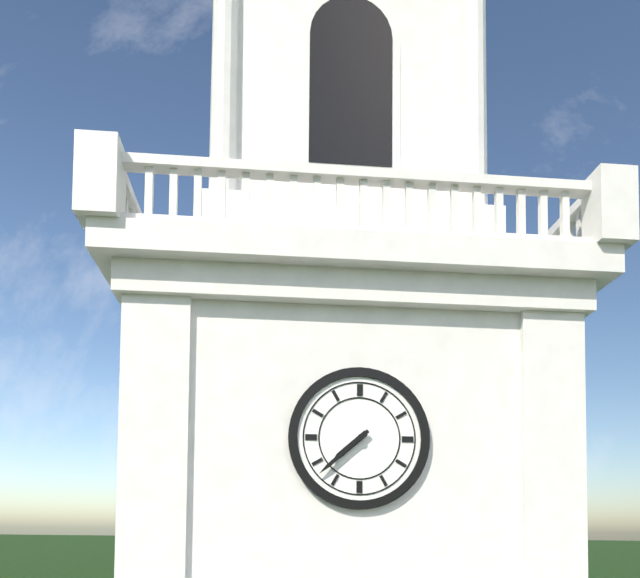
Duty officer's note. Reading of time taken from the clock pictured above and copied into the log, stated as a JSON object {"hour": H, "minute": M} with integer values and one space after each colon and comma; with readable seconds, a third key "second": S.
{"hour": 7, "minute": 38}
